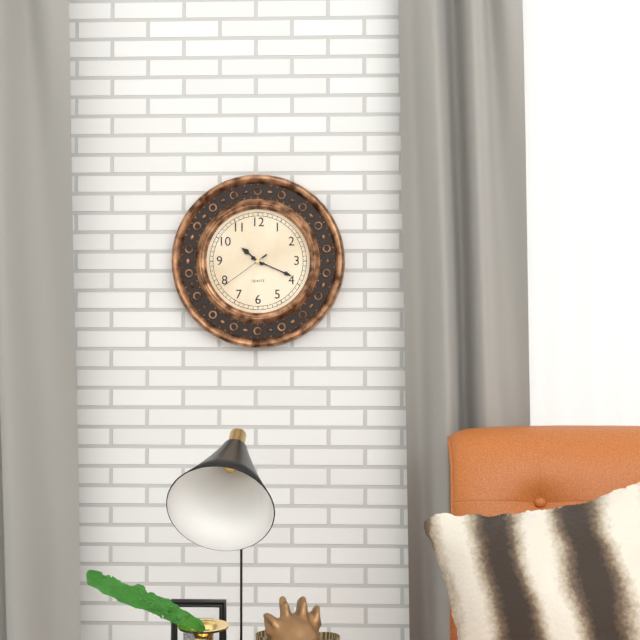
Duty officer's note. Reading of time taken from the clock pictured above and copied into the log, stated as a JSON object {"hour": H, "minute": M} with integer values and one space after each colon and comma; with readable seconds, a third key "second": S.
{"hour": 10, "minute": 19, "second": 39}
